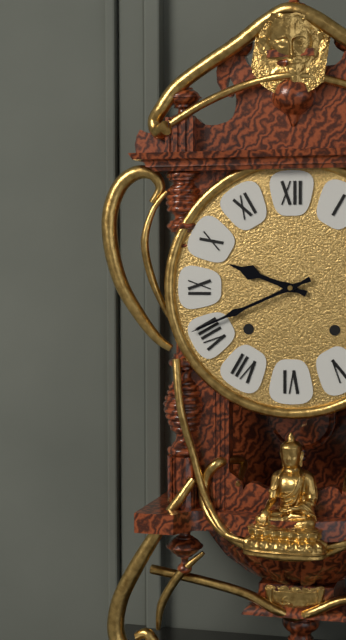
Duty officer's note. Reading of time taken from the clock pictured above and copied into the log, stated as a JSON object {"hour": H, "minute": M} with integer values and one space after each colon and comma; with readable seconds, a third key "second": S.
{"hour": 9, "minute": 41}
